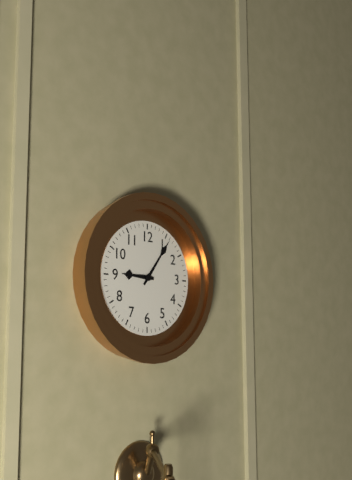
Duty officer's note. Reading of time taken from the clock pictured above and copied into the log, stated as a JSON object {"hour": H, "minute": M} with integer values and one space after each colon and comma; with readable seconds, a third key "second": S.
{"hour": 9, "minute": 6}
